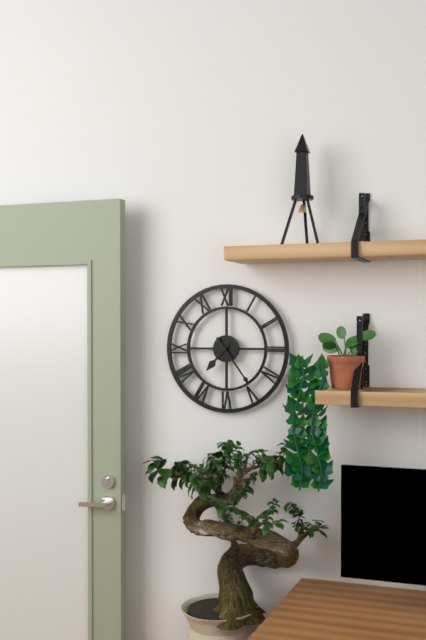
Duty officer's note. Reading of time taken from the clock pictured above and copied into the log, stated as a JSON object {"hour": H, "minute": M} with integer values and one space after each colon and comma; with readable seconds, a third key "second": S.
{"hour": 7, "minute": 24}
